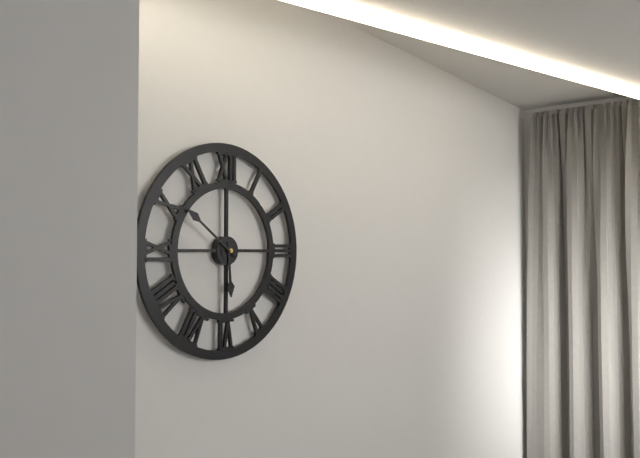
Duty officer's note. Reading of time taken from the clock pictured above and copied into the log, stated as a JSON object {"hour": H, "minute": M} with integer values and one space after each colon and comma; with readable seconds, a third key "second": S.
{"hour": 5, "minute": 51}
